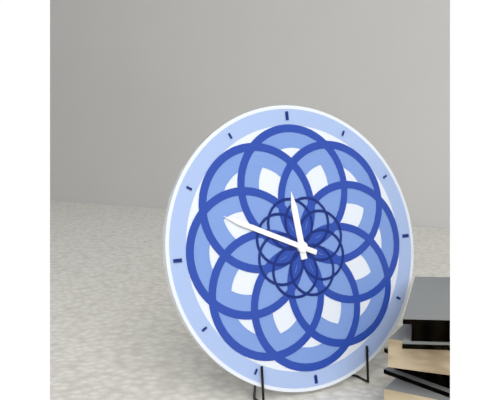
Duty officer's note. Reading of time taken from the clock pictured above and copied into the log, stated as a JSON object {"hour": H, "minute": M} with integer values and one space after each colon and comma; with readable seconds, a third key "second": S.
{"hour": 11, "minute": 49}
